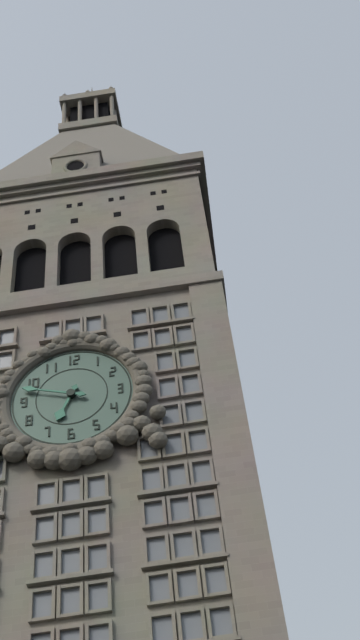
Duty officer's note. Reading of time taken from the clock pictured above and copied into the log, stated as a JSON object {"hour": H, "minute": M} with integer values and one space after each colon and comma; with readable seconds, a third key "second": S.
{"hour": 6, "minute": 48}
